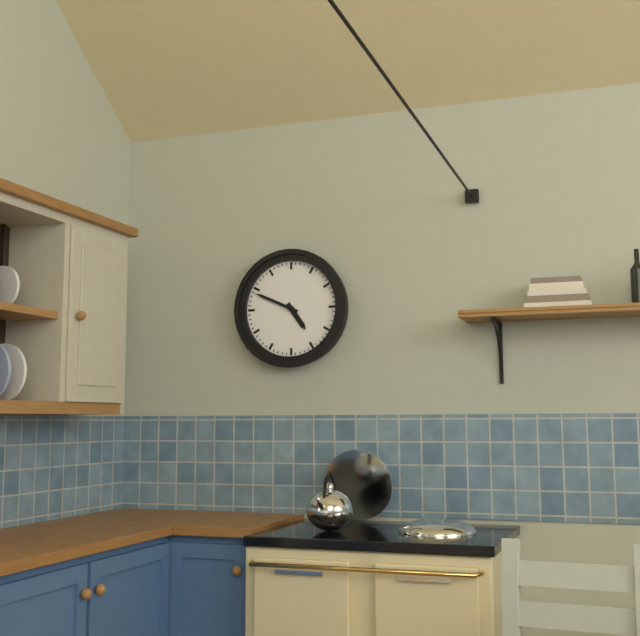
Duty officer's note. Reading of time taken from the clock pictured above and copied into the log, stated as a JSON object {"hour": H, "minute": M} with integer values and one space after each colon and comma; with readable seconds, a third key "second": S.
{"hour": 4, "minute": 49}
